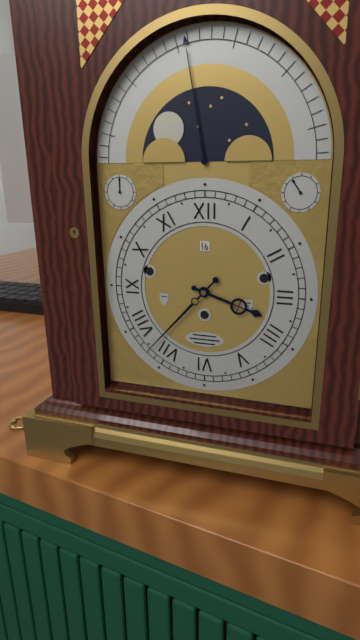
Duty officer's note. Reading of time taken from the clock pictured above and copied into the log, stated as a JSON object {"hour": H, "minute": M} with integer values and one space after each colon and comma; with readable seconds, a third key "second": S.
{"hour": 3, "minute": 37}
